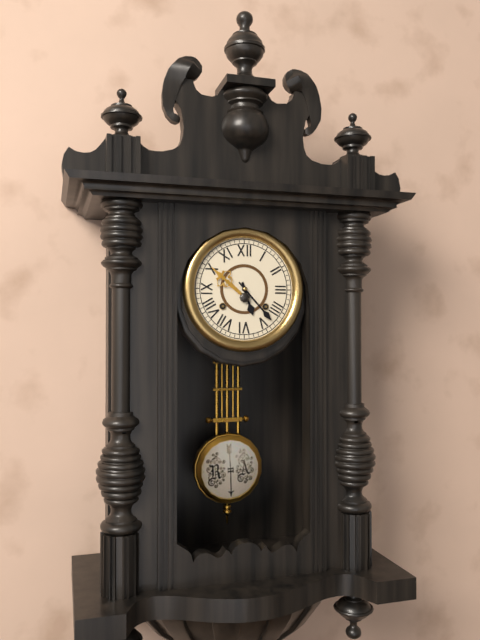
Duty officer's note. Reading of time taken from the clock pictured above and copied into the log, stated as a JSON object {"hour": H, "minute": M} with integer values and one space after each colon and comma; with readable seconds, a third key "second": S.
{"hour": 5, "minute": 23}
